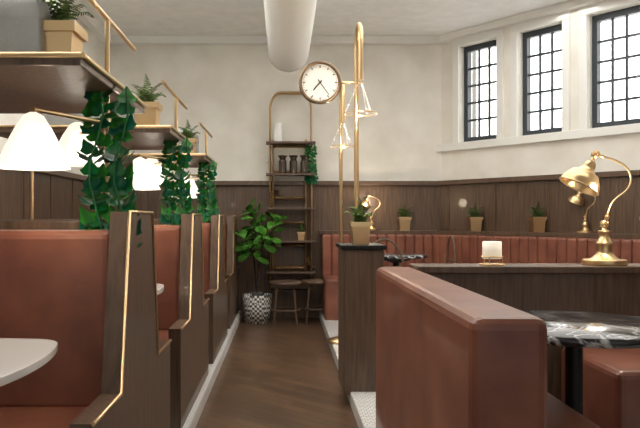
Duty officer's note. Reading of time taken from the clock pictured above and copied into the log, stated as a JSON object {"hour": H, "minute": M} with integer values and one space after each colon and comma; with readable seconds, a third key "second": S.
{"hour": 7, "minute": 24}
